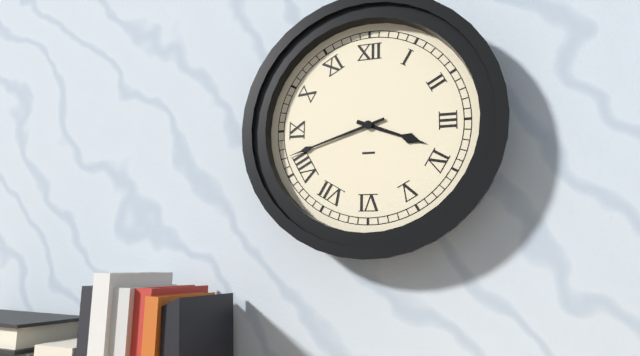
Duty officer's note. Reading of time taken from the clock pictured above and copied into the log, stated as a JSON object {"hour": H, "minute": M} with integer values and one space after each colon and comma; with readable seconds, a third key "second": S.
{"hour": 3, "minute": 42}
